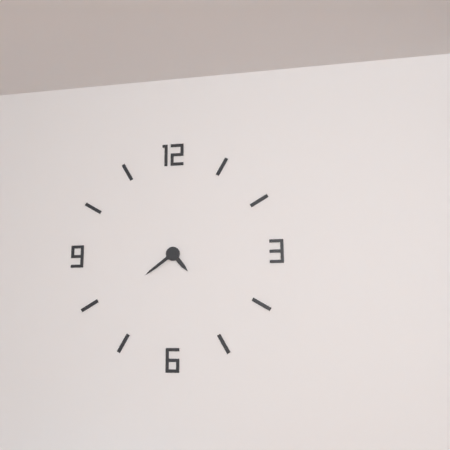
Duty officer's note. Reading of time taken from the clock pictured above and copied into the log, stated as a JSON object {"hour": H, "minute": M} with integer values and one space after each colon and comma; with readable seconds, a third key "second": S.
{"hour": 4, "minute": 39}
